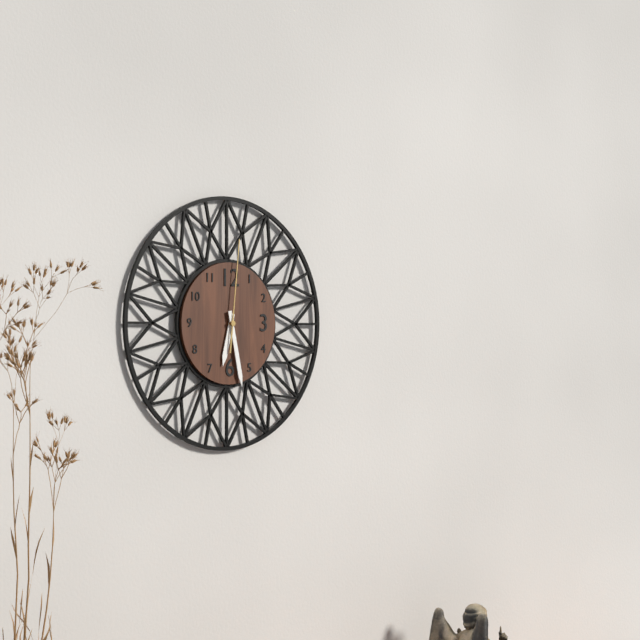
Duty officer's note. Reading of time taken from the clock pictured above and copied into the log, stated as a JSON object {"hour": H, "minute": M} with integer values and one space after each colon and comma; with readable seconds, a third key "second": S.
{"hour": 6, "minute": 28, "second": 1}
